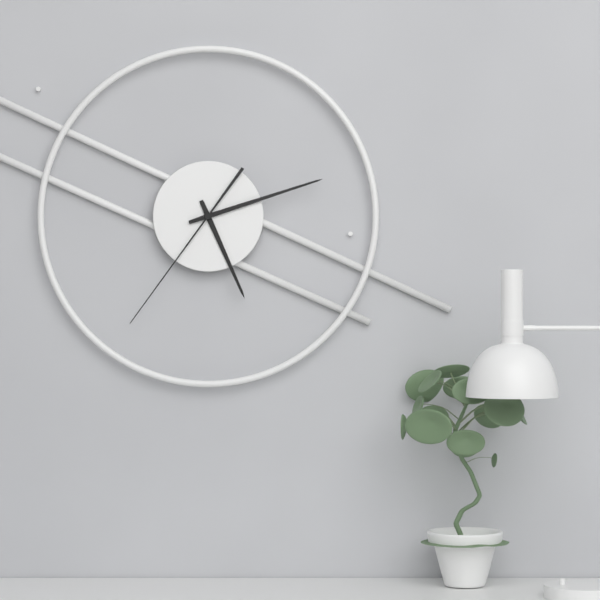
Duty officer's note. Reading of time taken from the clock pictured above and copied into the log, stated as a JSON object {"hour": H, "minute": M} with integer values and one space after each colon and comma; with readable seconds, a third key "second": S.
{"hour": 5, "minute": 12, "second": 36}
